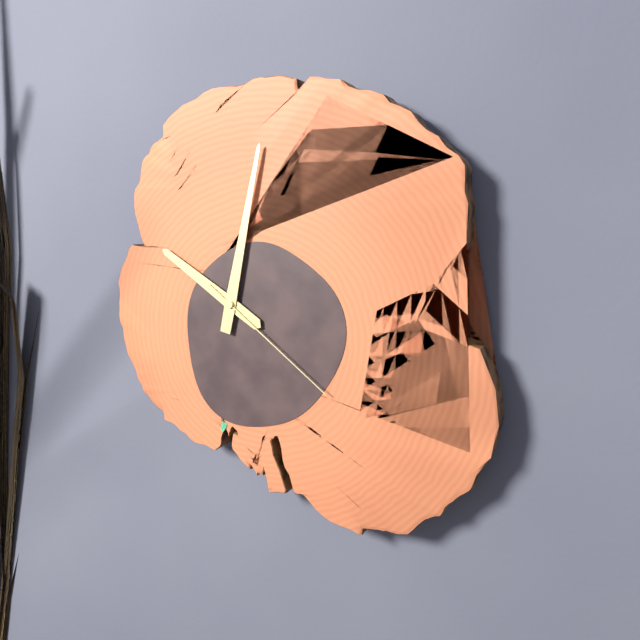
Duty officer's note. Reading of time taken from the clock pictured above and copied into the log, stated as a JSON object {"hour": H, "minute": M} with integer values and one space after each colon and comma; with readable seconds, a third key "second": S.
{"hour": 10, "minute": 2, "second": 21}
